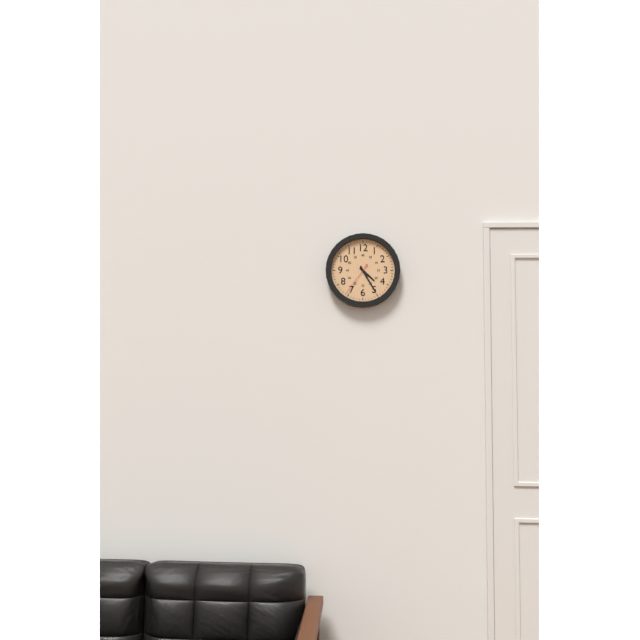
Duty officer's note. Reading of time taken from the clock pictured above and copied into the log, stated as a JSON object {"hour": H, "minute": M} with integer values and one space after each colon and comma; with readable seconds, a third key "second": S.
{"hour": 4, "minute": 25}
